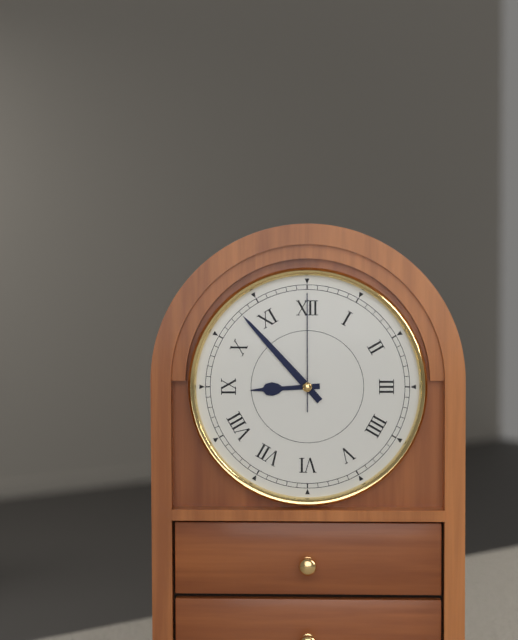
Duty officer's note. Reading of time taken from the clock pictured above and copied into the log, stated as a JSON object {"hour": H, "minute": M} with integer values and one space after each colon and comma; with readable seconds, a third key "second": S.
{"hour": 8, "minute": 53, "second": 0}
